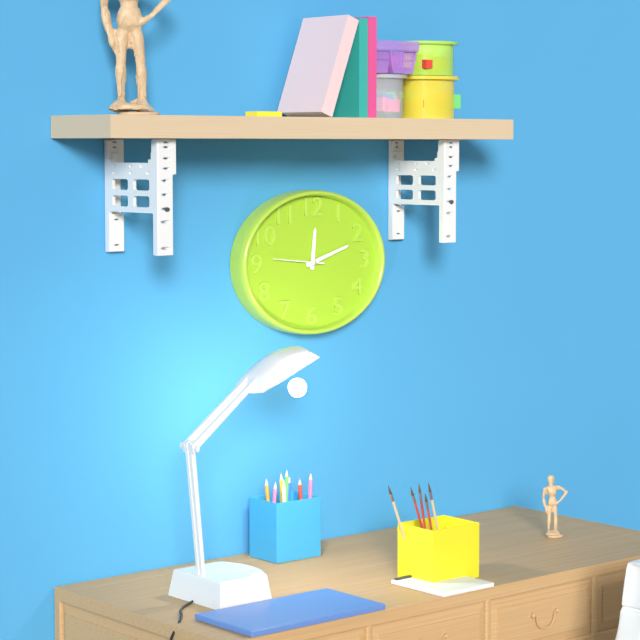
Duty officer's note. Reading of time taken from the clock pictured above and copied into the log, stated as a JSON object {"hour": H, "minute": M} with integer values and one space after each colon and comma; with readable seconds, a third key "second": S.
{"hour": 12, "minute": 12, "second": 46}
